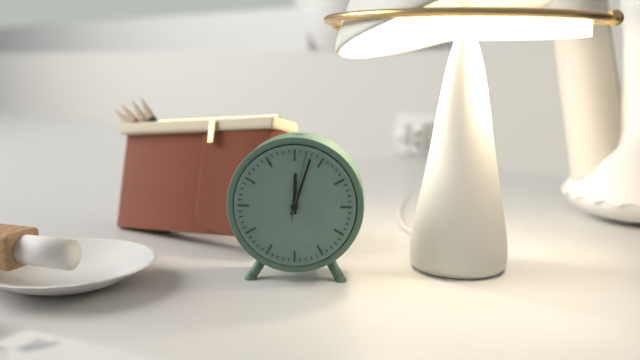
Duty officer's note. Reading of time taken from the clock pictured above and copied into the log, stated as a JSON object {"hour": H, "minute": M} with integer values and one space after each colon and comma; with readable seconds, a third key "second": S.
{"hour": 12, "minute": 3, "second": 2}
